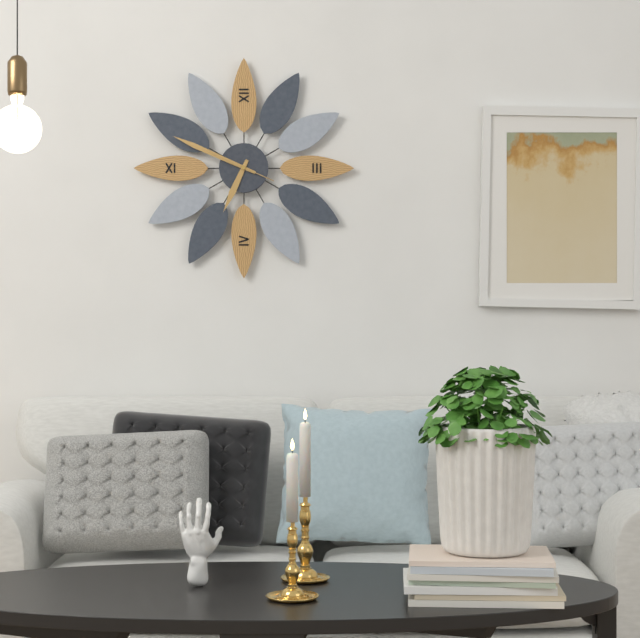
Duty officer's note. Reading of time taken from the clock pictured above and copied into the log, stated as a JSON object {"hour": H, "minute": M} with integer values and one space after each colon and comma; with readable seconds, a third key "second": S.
{"hour": 6, "minute": 49, "second": 49}
